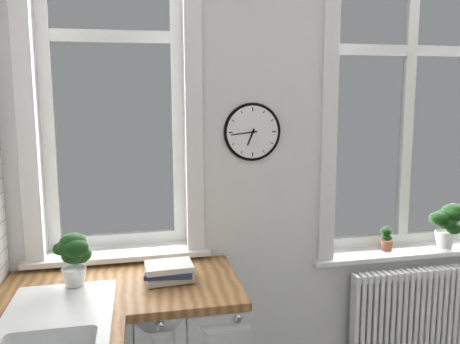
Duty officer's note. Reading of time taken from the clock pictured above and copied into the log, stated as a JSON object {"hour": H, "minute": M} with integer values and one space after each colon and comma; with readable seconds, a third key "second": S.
{"hour": 6, "minute": 44}
